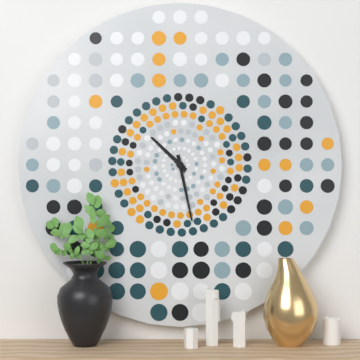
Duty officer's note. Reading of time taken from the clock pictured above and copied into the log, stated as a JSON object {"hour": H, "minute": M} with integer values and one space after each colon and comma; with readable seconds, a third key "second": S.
{"hour": 10, "minute": 28}
